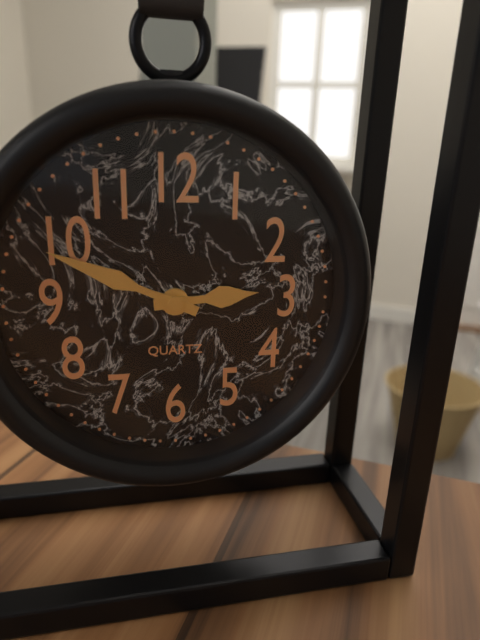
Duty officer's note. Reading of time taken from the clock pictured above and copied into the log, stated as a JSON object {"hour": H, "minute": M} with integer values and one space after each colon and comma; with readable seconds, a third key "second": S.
{"hour": 2, "minute": 49}
